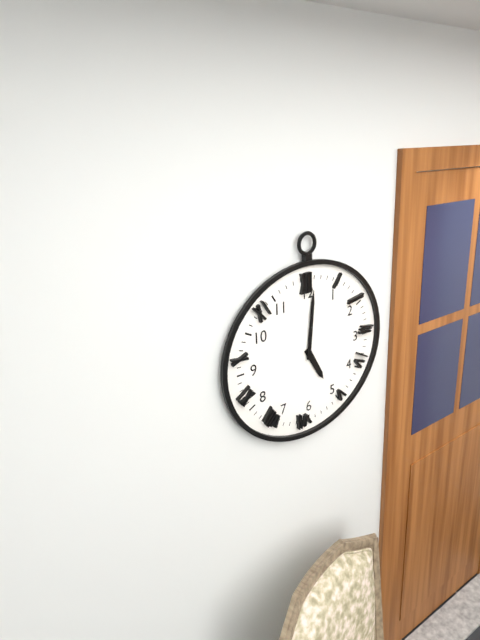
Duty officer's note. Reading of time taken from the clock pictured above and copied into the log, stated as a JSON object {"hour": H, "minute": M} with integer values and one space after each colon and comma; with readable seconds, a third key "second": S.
{"hour": 5, "minute": 1}
